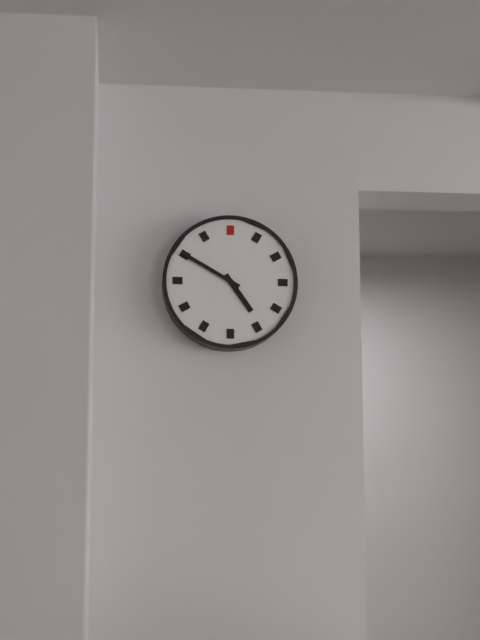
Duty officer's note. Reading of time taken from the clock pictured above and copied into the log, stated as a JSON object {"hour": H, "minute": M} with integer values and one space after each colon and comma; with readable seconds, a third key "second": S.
{"hour": 4, "minute": 50}
